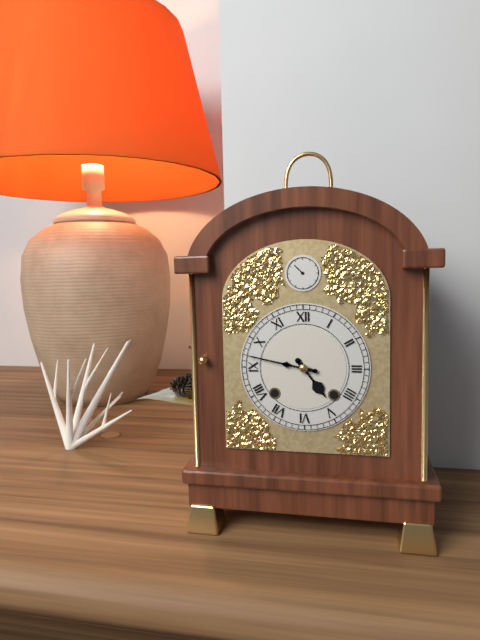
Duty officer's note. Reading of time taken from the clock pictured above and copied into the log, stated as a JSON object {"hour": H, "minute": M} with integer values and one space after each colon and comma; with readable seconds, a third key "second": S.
{"hour": 4, "minute": 47}
